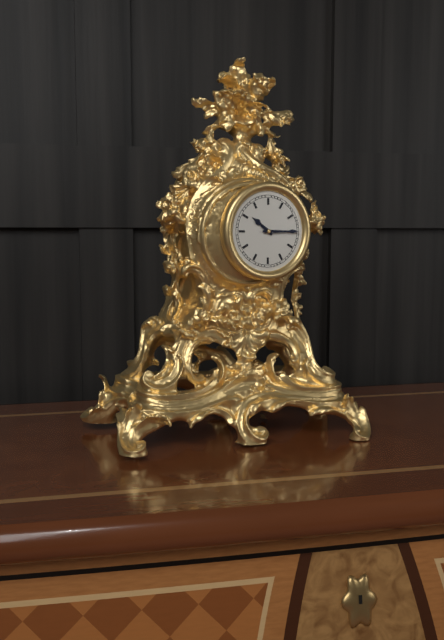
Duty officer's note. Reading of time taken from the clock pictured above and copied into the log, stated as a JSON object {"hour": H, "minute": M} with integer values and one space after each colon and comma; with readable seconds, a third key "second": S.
{"hour": 10, "minute": 15}
